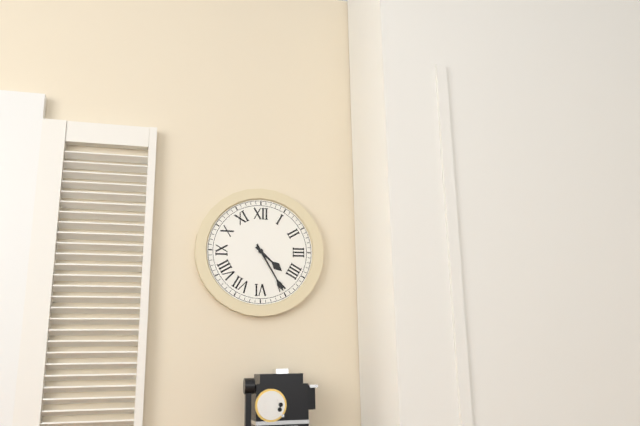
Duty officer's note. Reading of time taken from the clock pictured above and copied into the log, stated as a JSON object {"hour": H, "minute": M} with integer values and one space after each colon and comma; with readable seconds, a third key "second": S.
{"hour": 4, "minute": 25}
